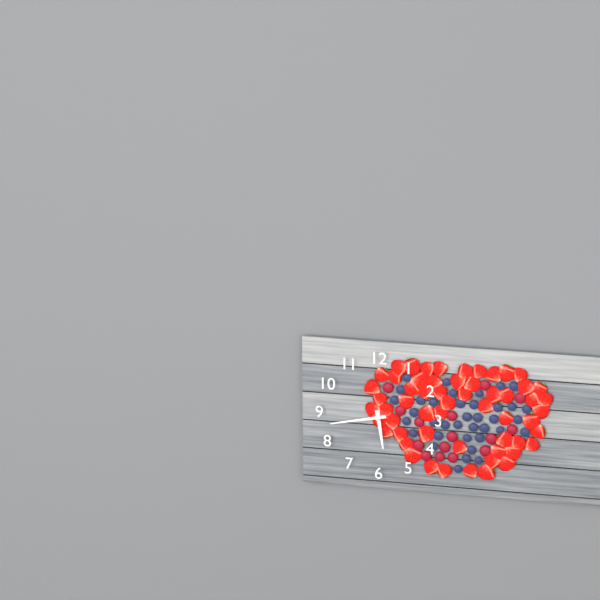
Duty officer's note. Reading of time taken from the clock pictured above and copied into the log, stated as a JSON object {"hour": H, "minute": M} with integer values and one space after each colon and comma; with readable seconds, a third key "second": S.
{"hour": 5, "minute": 43}
